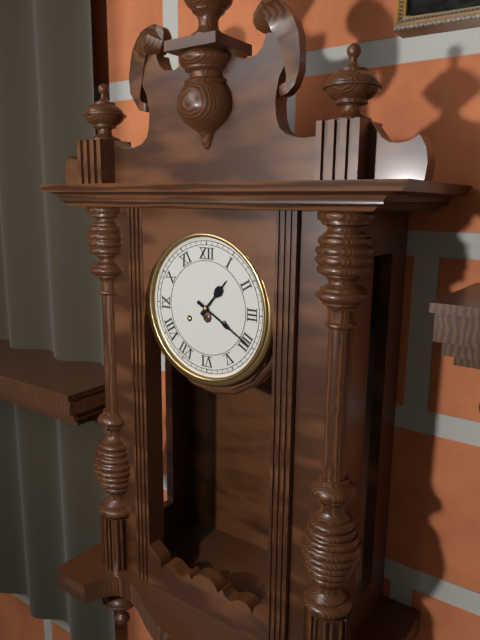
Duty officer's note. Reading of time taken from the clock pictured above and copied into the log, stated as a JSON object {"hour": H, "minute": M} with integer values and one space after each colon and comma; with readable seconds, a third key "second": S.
{"hour": 1, "minute": 20}
